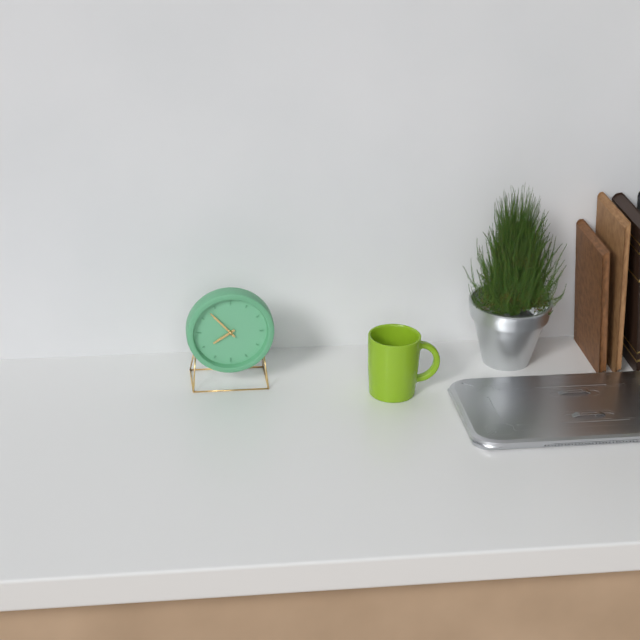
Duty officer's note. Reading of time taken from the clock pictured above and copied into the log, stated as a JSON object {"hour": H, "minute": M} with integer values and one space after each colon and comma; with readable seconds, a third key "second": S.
{"hour": 7, "minute": 53}
